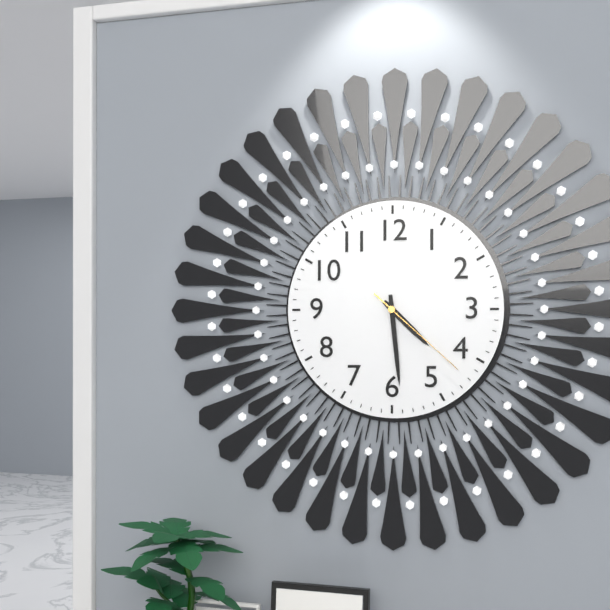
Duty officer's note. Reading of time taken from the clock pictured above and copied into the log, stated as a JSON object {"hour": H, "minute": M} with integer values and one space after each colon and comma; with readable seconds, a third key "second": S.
{"hour": 4, "minute": 29, "second": 22}
